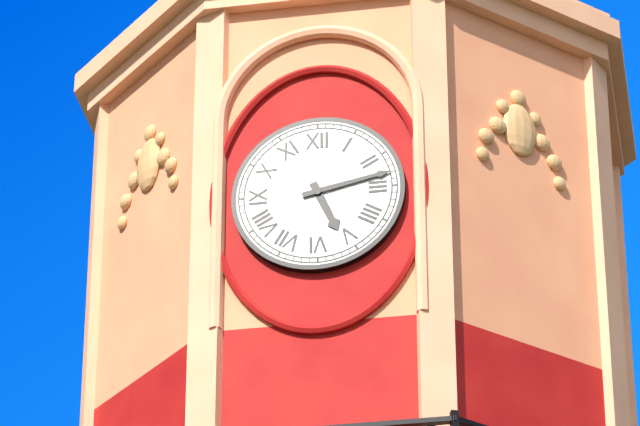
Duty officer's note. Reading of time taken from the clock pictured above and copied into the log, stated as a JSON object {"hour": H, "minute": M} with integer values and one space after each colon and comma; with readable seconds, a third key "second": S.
{"hour": 5, "minute": 13}
